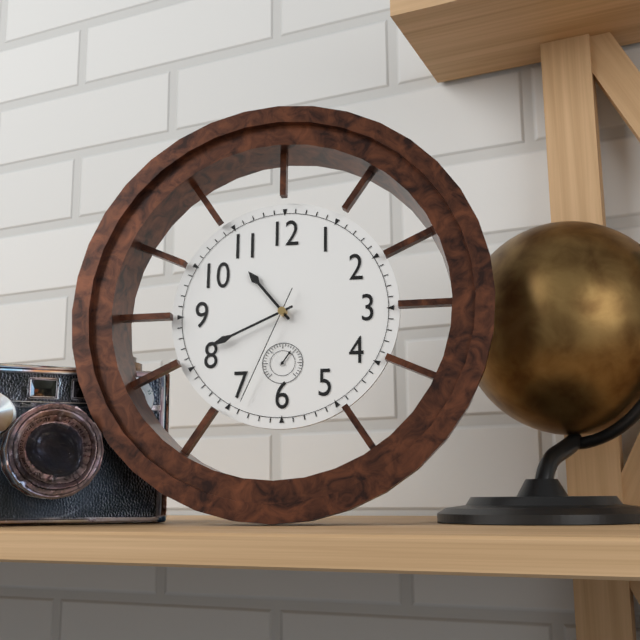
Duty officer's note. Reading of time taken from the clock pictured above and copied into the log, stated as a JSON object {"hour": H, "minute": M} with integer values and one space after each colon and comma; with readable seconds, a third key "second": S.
{"hour": 10, "minute": 41, "second": 34}
